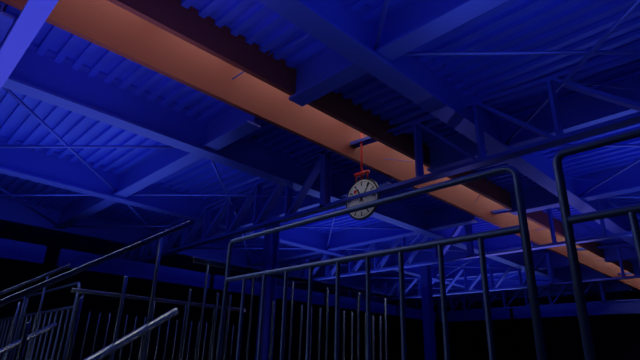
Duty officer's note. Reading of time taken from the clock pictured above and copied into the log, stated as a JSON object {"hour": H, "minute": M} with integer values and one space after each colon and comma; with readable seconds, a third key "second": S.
{"hour": 11, "minute": 6}
